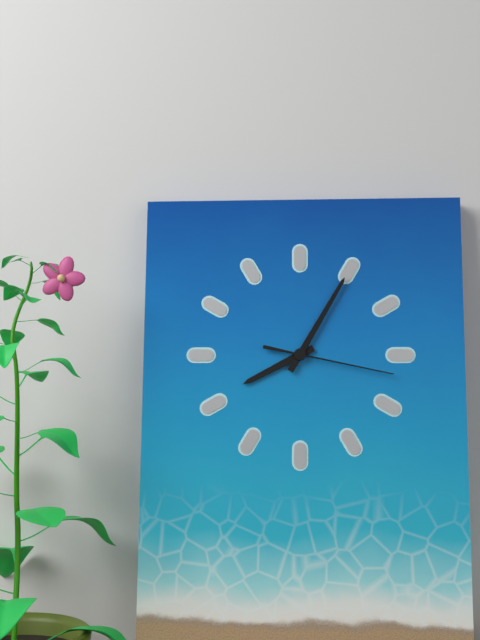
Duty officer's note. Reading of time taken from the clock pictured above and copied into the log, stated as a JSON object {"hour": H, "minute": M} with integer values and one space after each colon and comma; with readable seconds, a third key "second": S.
{"hour": 8, "minute": 5, "second": 17}
